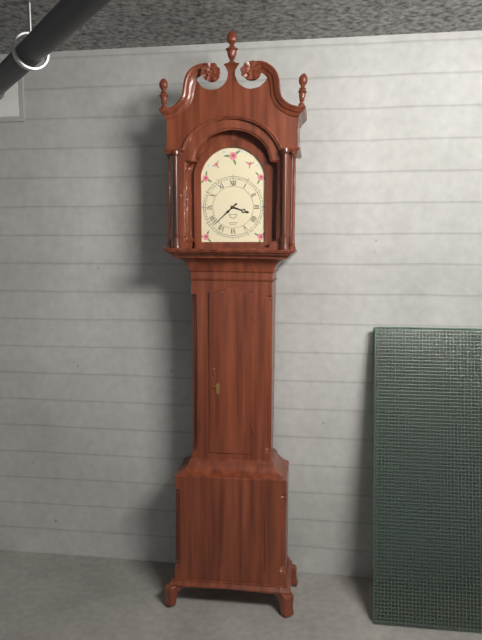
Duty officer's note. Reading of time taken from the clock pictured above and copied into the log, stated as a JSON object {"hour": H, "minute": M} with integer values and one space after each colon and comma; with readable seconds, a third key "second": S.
{"hour": 3, "minute": 38}
